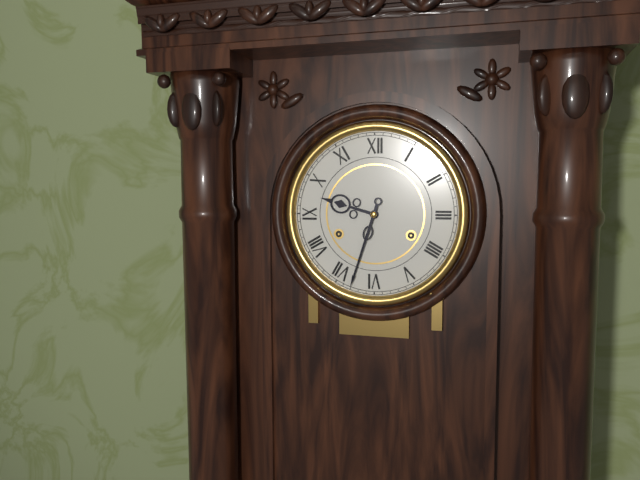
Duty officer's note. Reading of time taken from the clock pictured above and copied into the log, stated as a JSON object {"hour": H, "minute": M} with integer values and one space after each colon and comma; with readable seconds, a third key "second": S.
{"hour": 9, "minute": 33}
